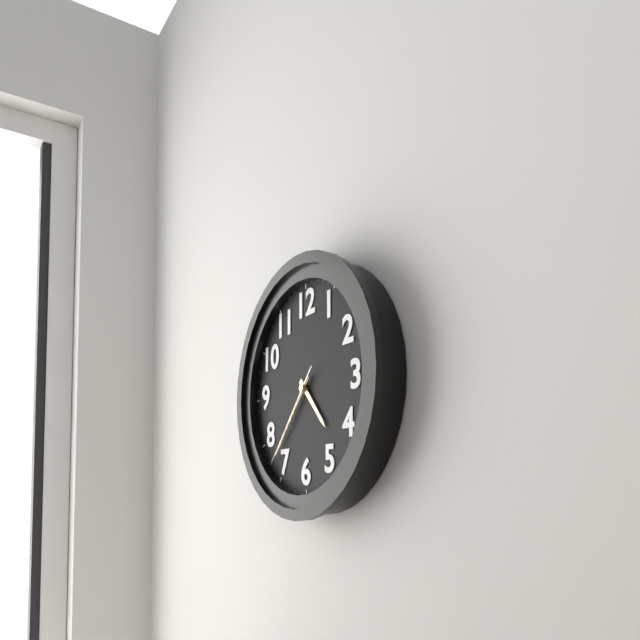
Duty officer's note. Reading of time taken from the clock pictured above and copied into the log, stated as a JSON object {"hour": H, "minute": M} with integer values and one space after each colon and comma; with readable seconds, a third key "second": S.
{"hour": 4, "minute": 37, "second": 37}
